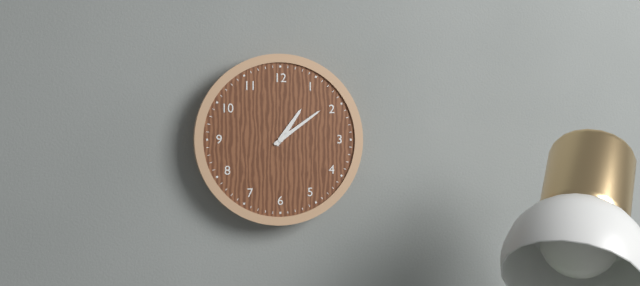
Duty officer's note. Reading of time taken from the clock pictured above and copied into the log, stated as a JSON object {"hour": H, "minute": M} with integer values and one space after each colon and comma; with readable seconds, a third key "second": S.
{"hour": 1, "minute": 9}
